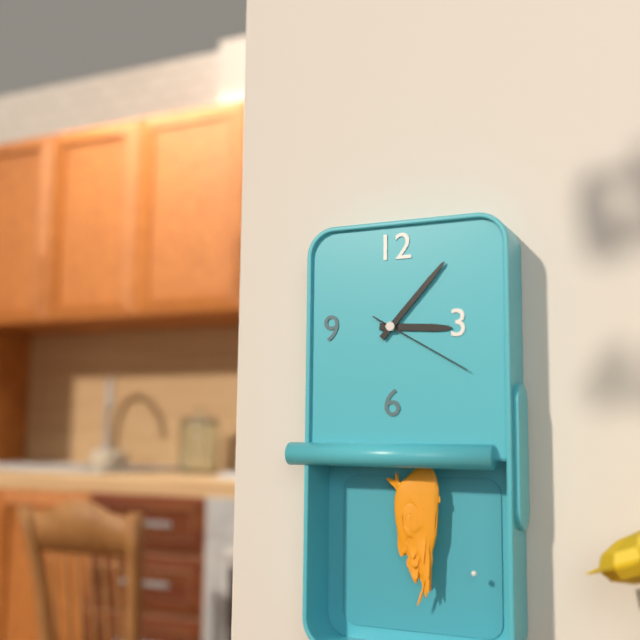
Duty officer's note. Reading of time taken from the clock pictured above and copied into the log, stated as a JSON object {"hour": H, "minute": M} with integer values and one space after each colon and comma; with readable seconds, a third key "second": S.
{"hour": 3, "minute": 7, "second": 20}
